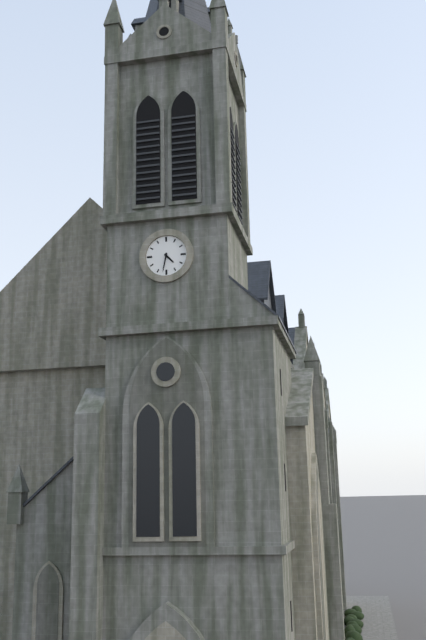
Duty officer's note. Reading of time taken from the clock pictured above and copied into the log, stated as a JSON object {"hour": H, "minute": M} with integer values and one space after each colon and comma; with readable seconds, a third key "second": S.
{"hour": 4, "minute": 32}
